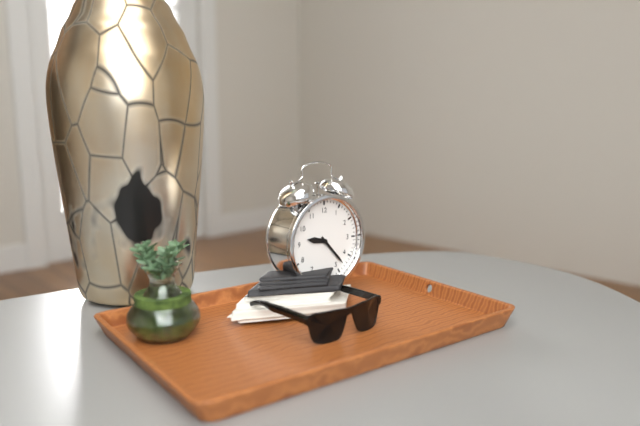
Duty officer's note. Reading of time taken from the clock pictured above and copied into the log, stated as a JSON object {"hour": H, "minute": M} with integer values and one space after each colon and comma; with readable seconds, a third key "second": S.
{"hour": 9, "minute": 23}
